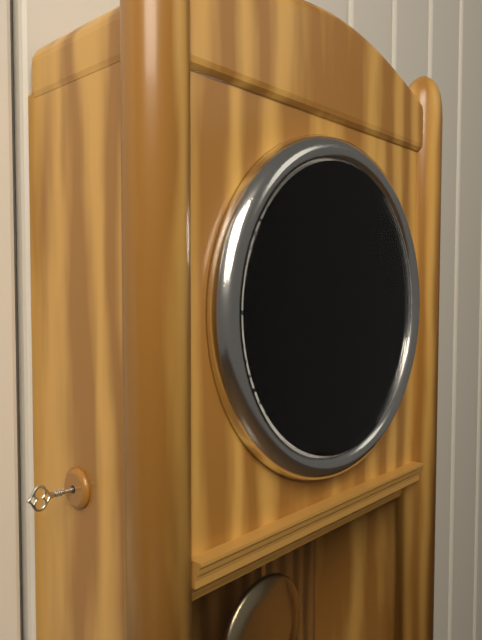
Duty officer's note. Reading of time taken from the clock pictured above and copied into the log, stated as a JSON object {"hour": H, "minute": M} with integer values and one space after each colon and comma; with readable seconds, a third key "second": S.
{"hour": 12, "minute": 39}
